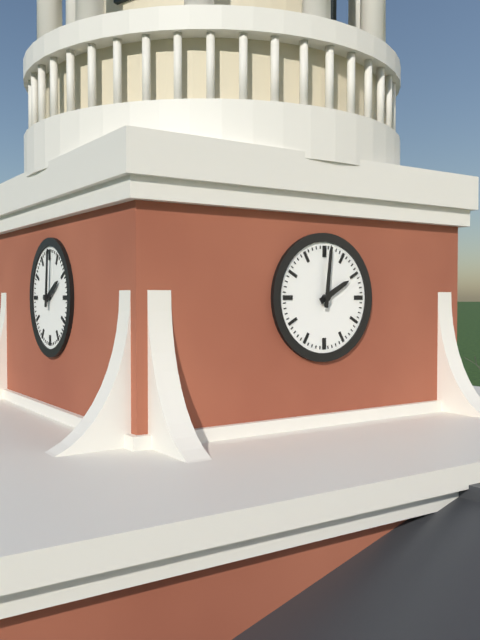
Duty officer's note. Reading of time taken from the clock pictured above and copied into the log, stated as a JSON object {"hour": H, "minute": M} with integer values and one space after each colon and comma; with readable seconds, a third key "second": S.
{"hour": 2, "minute": 1}
